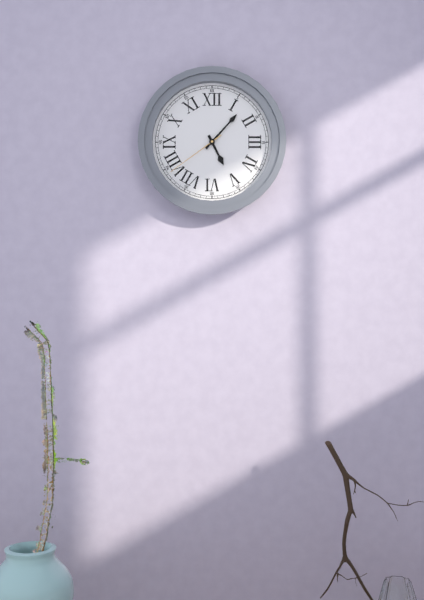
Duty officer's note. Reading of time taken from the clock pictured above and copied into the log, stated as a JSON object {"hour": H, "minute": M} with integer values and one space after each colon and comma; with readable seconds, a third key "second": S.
{"hour": 5, "minute": 7, "second": 39}
